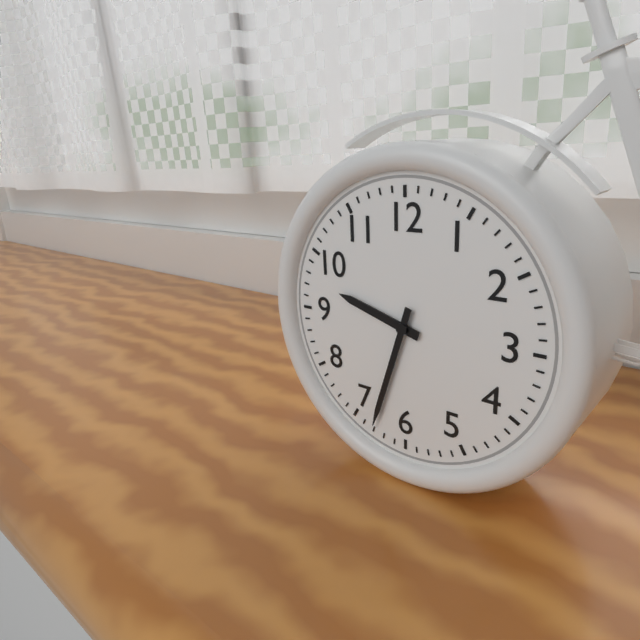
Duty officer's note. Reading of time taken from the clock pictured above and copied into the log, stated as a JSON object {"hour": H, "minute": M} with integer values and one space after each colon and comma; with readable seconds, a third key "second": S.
{"hour": 9, "minute": 33}
